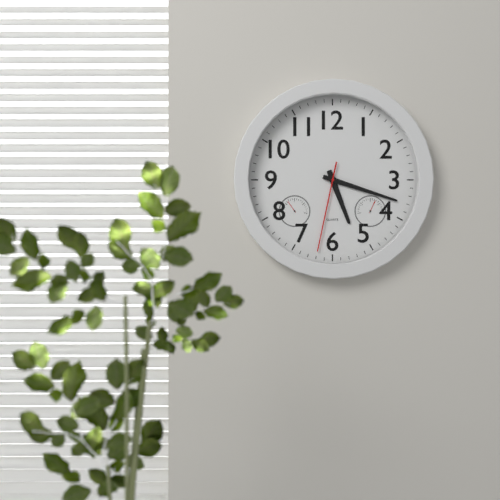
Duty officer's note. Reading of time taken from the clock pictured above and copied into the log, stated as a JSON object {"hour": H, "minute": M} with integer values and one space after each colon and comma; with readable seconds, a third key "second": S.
{"hour": 5, "minute": 18, "second": 32}
